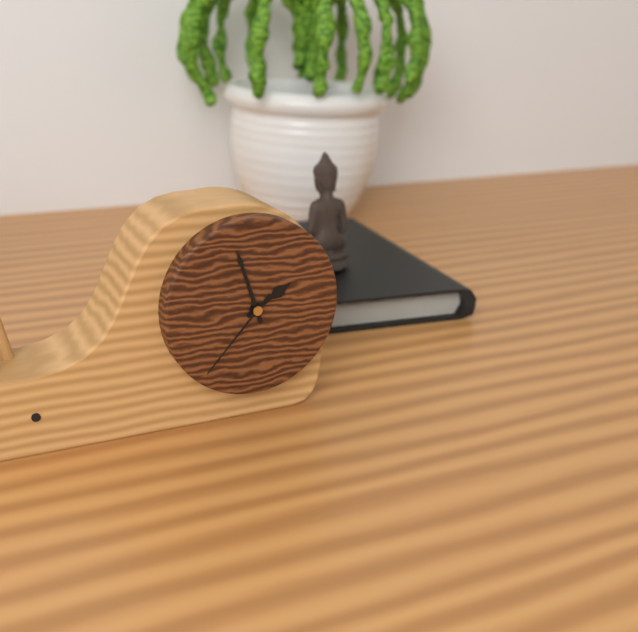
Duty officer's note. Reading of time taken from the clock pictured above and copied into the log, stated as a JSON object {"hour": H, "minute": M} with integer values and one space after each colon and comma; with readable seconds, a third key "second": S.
{"hour": 1, "minute": 57, "second": 37}
